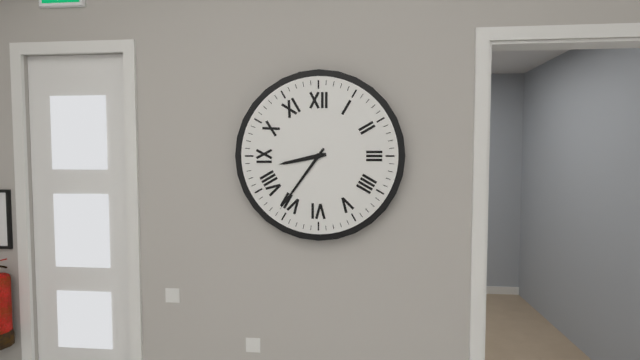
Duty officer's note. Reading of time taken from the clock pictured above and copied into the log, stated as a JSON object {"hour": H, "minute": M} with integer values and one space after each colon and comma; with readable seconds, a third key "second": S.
{"hour": 8, "minute": 36}
